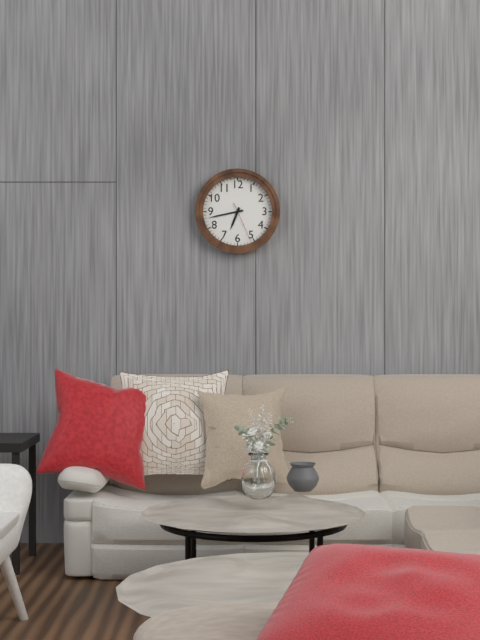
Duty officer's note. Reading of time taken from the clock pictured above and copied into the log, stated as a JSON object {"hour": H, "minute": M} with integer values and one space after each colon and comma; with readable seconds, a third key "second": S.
{"hour": 6, "minute": 43}
